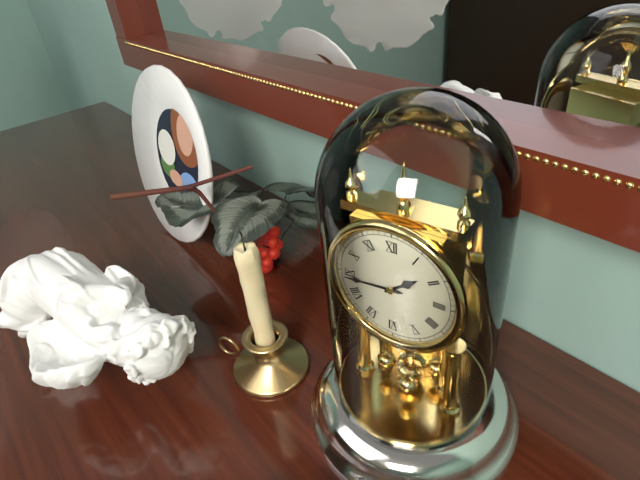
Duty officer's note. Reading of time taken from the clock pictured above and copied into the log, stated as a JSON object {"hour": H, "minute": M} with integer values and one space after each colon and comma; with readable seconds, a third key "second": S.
{"hour": 1, "minute": 44}
